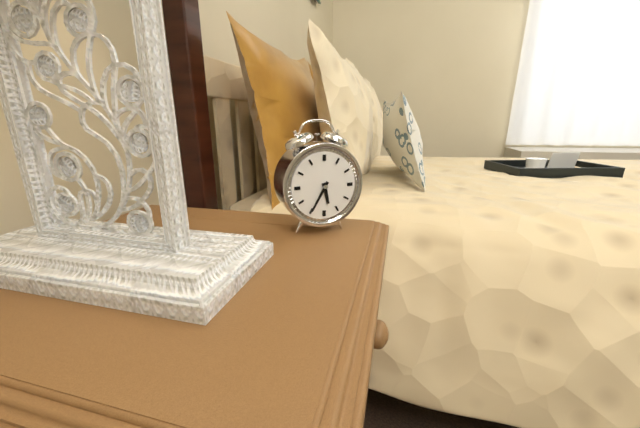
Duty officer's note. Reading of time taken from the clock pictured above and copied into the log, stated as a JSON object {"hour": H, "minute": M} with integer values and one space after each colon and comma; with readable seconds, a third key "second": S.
{"hour": 5, "minute": 35}
